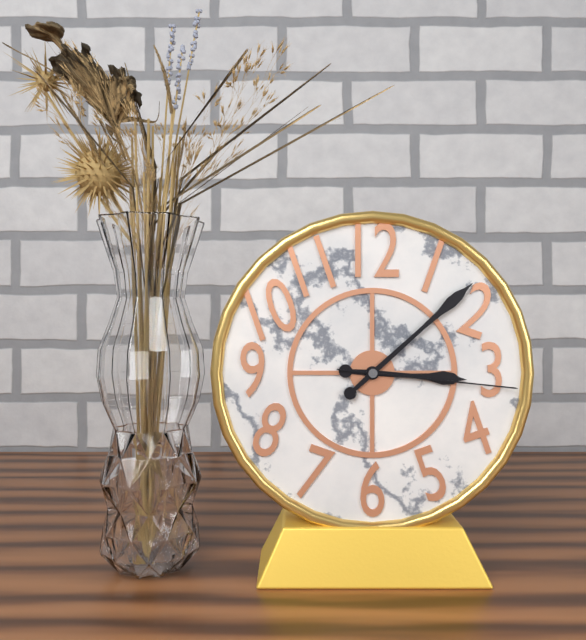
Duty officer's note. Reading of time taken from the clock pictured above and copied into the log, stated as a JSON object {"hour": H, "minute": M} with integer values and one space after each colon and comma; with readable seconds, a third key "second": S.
{"hour": 3, "minute": 8, "second": 16}
